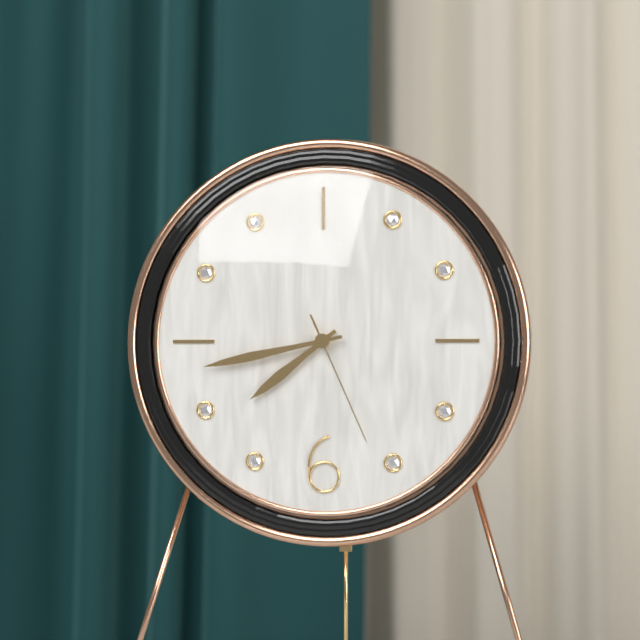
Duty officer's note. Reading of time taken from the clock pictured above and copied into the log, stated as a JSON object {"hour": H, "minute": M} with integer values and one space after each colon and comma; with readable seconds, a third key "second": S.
{"hour": 7, "minute": 43, "second": 26}
